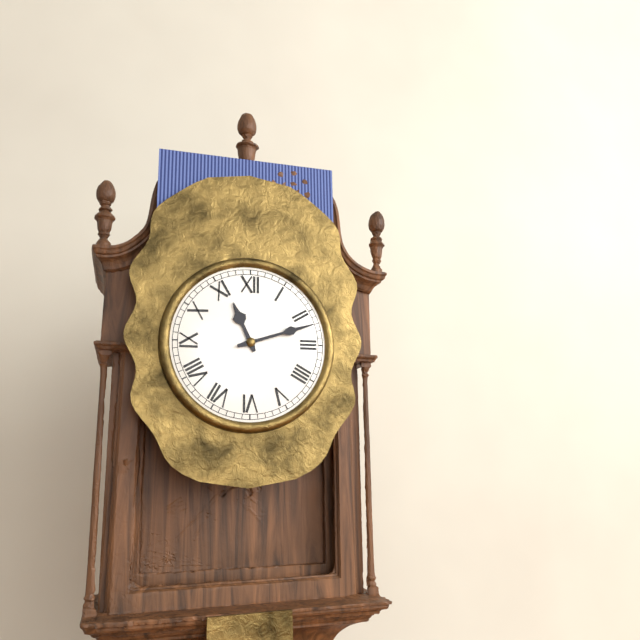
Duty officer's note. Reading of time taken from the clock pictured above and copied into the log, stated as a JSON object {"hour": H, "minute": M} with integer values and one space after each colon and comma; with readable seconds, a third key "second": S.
{"hour": 11, "minute": 12}
